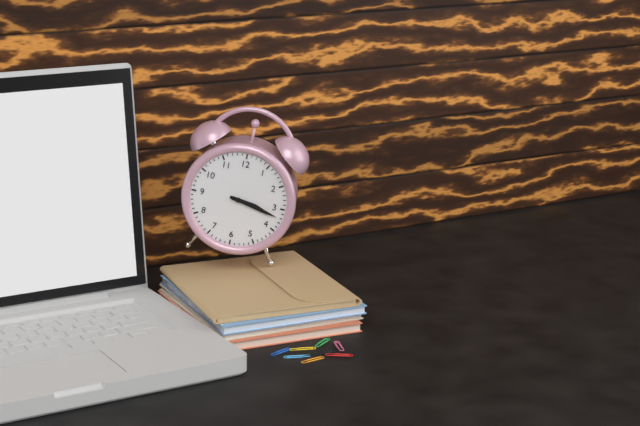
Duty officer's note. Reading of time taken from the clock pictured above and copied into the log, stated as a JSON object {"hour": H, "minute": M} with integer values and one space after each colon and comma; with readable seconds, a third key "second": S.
{"hour": 3, "minute": 17}
